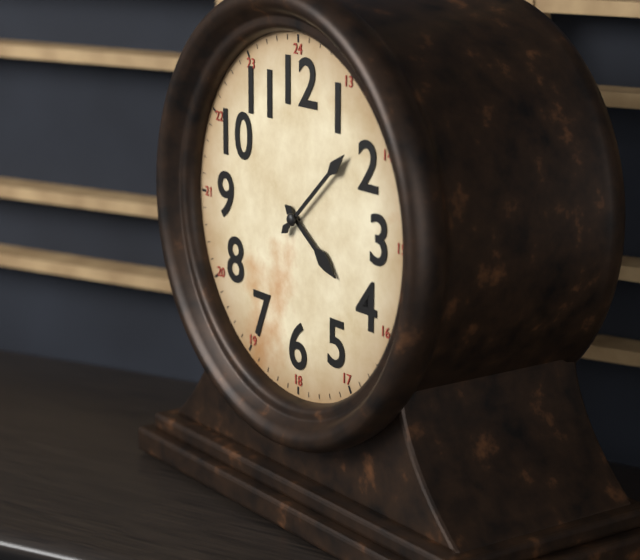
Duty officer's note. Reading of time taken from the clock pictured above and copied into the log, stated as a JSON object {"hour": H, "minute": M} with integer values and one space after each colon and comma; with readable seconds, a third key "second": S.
{"hour": 4, "minute": 8}
